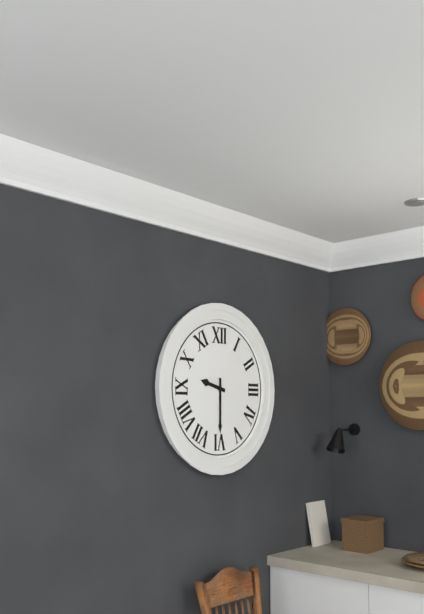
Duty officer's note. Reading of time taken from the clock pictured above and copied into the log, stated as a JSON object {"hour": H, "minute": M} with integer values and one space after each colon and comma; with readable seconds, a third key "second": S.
{"hour": 9, "minute": 30}
